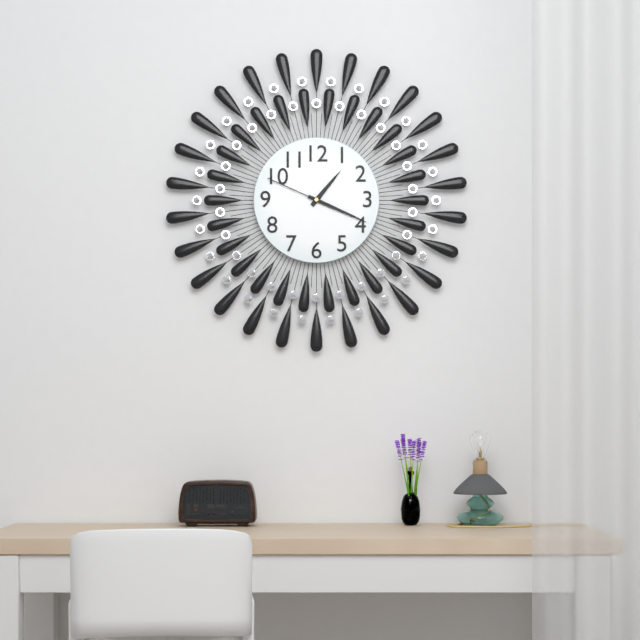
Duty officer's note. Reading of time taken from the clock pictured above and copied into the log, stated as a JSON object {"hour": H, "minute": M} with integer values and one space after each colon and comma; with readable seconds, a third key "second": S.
{"hour": 1, "minute": 19, "second": 49}
